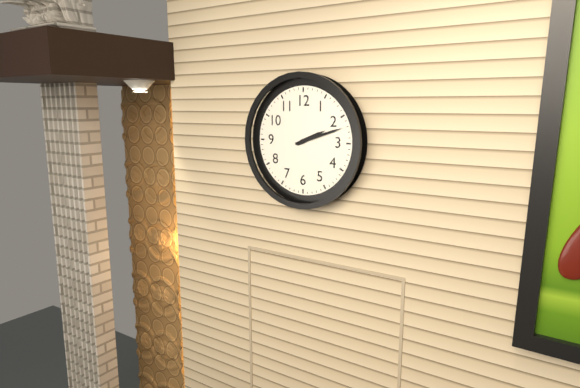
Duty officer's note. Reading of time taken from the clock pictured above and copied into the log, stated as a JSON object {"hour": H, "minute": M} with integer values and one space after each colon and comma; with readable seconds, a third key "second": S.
{"hour": 2, "minute": 12}
